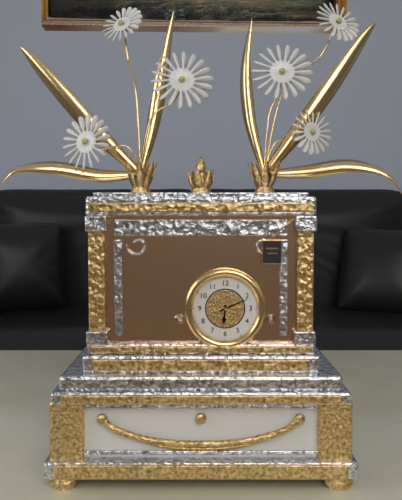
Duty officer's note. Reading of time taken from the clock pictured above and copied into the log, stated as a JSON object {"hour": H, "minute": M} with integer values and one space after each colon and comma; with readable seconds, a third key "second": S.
{"hour": 6, "minute": 11}
